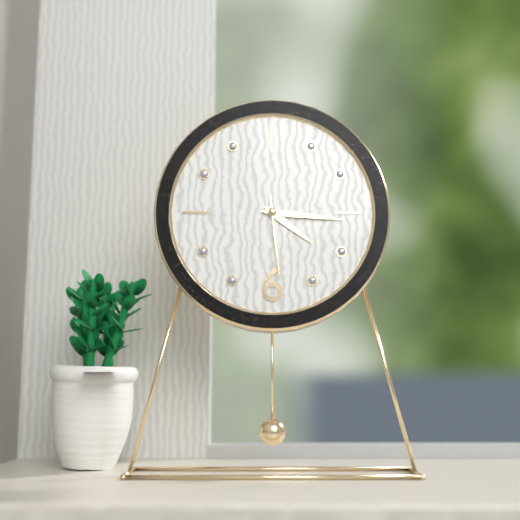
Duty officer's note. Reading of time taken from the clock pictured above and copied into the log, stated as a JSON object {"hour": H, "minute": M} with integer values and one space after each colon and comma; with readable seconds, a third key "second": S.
{"hour": 4, "minute": 16, "second": 29}
